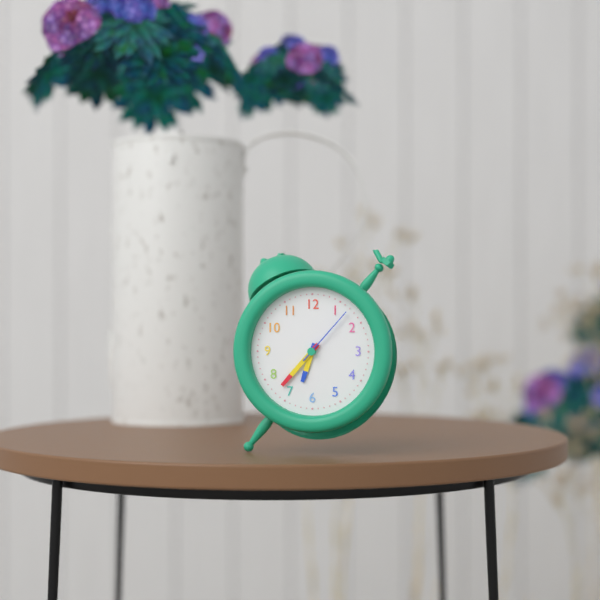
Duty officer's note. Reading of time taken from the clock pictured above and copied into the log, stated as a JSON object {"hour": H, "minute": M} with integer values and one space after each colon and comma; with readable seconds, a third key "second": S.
{"hour": 6, "minute": 37, "second": 7}
